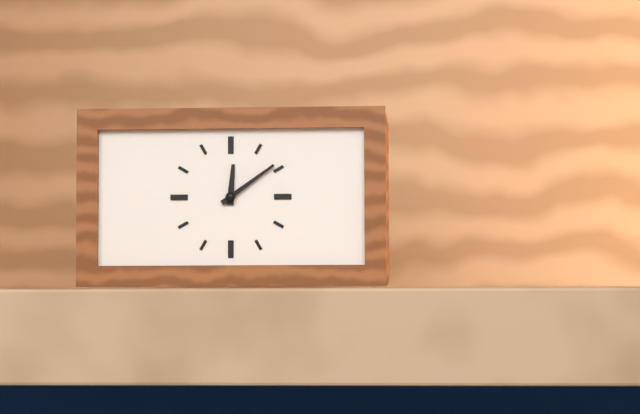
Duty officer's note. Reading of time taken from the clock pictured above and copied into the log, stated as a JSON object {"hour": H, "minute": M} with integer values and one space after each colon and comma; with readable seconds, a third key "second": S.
{"hour": 12, "minute": 9}
